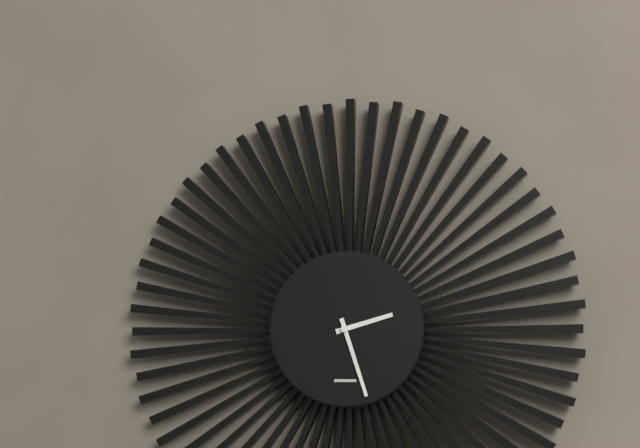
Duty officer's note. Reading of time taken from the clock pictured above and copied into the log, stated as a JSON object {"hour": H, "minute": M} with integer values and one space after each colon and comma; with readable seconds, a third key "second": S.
{"hour": 2, "minute": 27}
